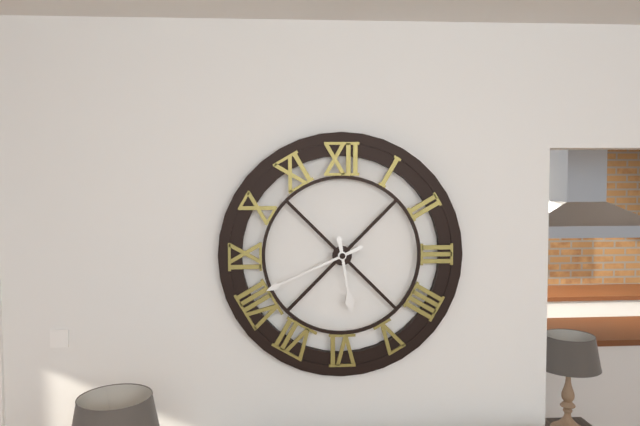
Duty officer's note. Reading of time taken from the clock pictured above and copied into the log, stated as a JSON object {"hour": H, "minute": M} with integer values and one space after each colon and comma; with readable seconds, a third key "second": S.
{"hour": 5, "minute": 41}
